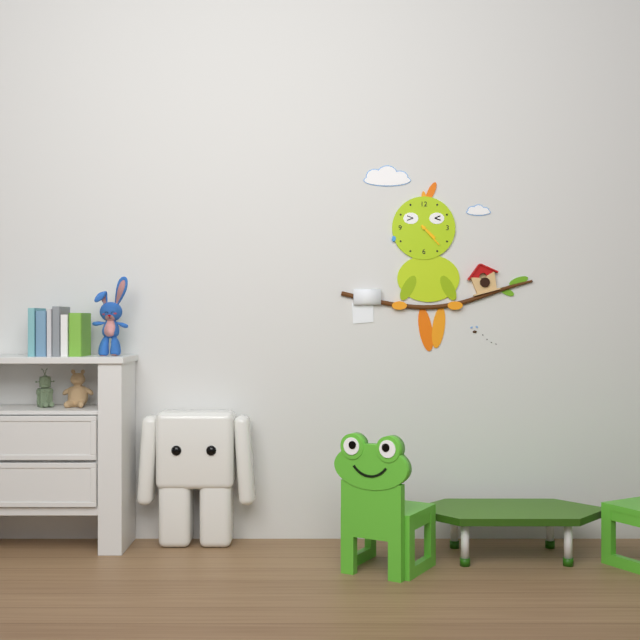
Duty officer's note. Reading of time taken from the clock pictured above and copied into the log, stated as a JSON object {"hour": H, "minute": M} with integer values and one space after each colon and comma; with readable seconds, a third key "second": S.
{"hour": 4, "minute": 23}
